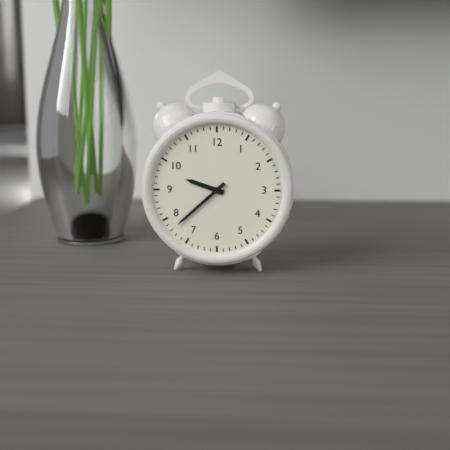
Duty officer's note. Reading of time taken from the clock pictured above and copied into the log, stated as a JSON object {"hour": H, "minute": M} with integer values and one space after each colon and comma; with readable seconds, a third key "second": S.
{"hour": 9, "minute": 38}
